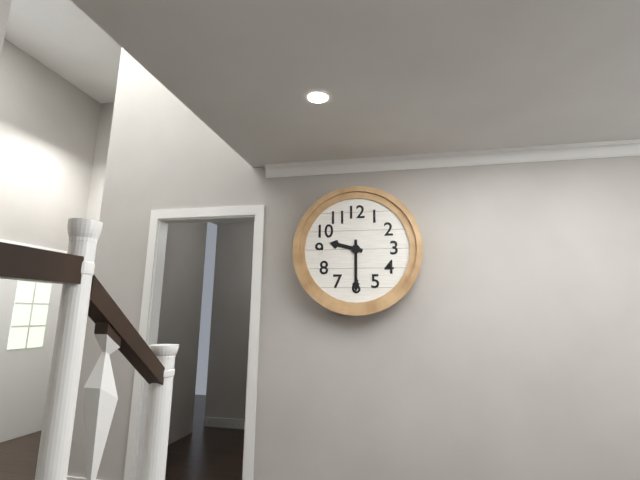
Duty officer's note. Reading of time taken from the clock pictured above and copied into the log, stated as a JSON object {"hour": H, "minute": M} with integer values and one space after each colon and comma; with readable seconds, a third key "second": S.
{"hour": 9, "minute": 30}
